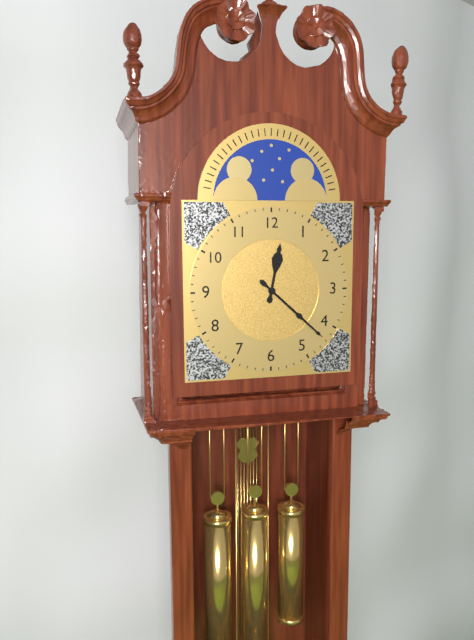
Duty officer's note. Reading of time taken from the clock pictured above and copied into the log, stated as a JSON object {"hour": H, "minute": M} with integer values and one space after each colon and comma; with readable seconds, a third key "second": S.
{"hour": 12, "minute": 22}
